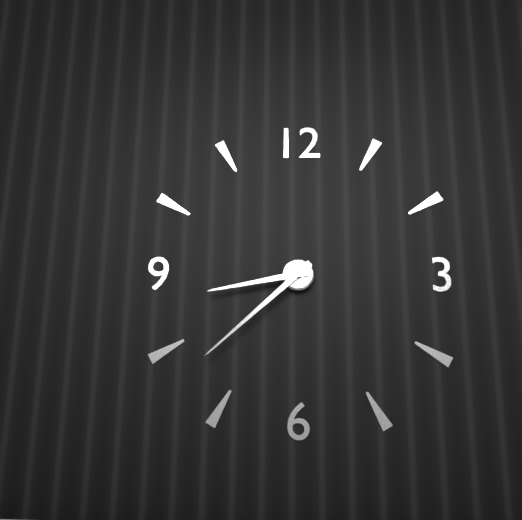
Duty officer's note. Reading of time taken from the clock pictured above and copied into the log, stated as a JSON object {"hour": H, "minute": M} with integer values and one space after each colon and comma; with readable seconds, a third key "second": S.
{"hour": 8, "minute": 38}
